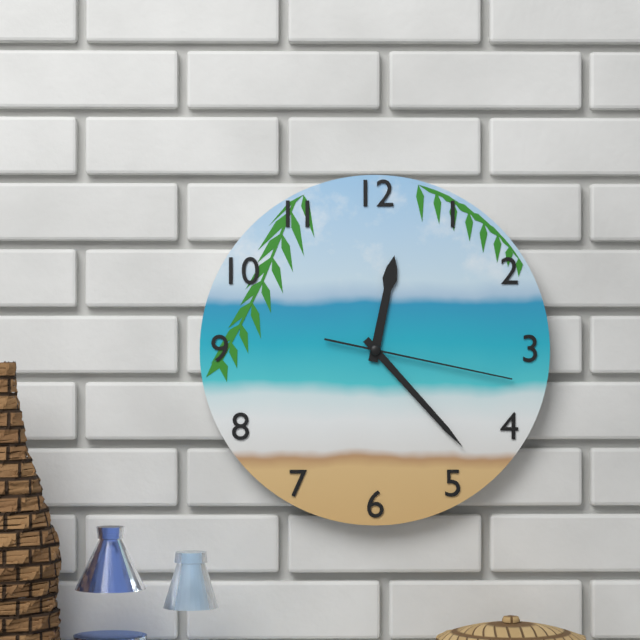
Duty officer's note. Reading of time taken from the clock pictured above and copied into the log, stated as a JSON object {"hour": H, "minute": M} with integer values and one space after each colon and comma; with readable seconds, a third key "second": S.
{"hour": 12, "minute": 23, "second": 17}
